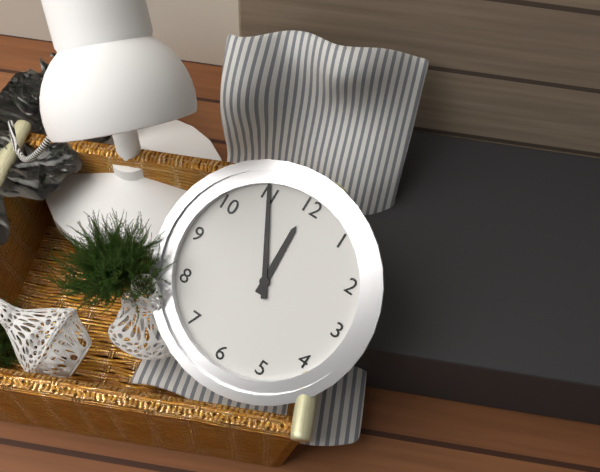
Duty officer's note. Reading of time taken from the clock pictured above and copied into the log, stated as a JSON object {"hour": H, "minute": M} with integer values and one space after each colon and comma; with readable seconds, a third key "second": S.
{"hour": 11, "minute": 55}
